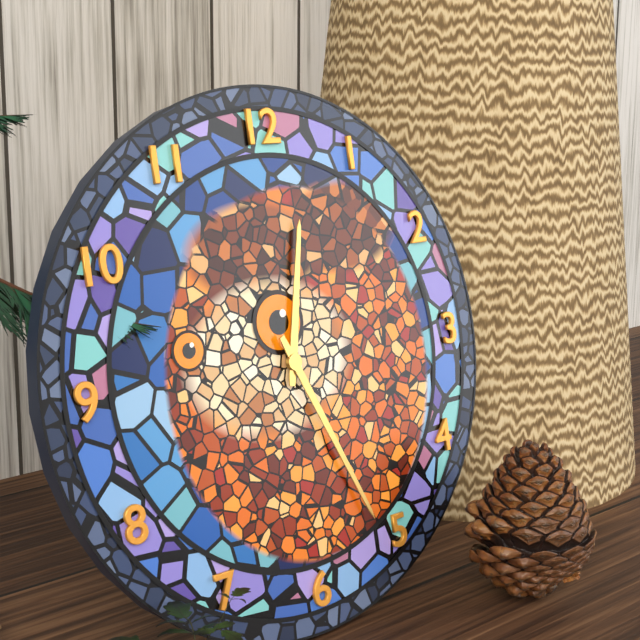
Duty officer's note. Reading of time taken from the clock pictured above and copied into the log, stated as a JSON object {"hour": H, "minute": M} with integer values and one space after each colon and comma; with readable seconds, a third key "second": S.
{"hour": 12, "minute": 26}
